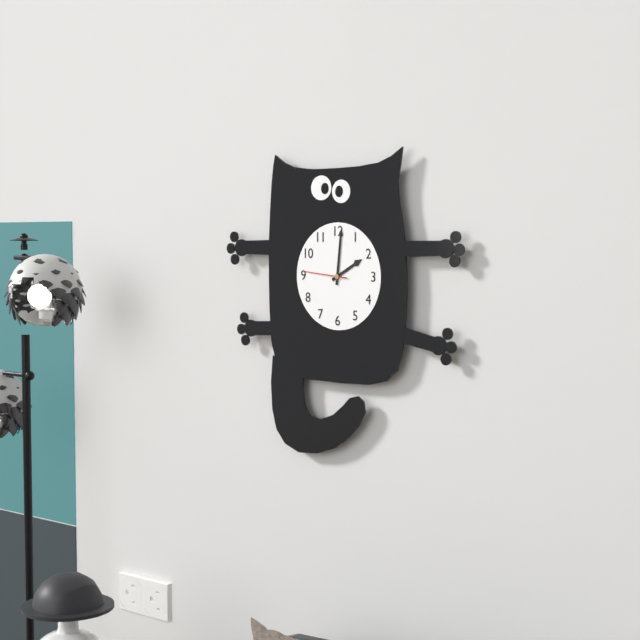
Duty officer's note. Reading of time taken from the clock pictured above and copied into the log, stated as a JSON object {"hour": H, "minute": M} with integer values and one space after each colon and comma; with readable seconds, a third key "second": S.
{"hour": 2, "minute": 1}
